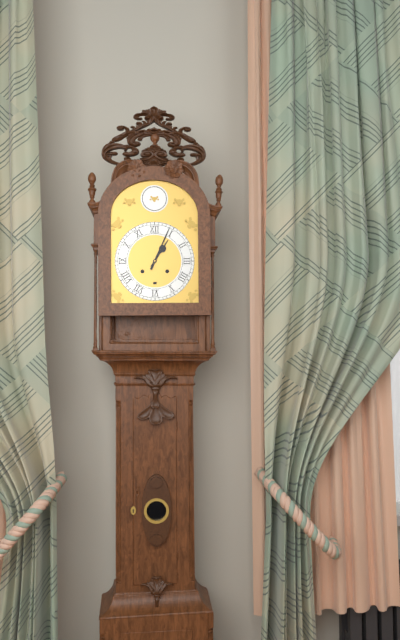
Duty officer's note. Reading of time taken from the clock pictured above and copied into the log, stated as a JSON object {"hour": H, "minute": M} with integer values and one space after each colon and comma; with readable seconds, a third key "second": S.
{"hour": 1, "minute": 4}
